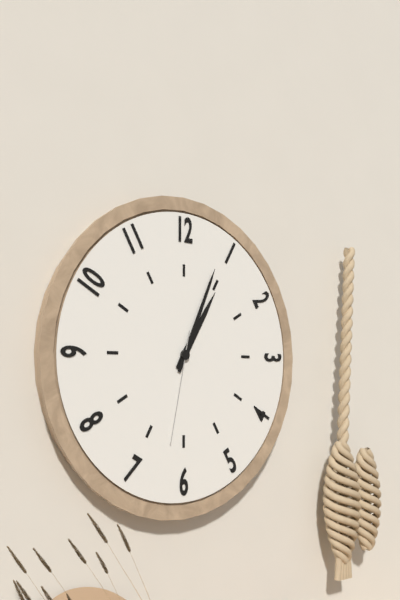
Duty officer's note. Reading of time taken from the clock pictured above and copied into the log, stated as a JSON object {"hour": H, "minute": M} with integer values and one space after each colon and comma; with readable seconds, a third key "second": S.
{"hour": 1, "minute": 4, "second": 32}
